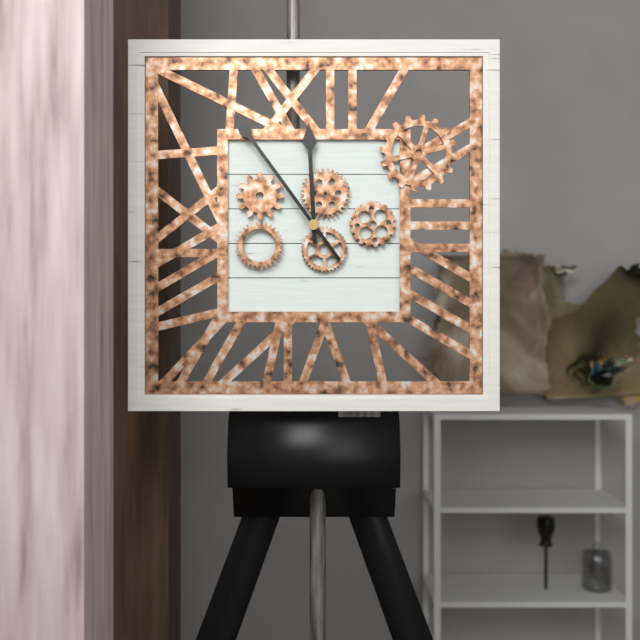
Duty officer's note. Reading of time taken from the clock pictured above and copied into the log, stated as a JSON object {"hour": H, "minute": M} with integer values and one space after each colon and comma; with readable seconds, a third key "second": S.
{"hour": 11, "minute": 54}
